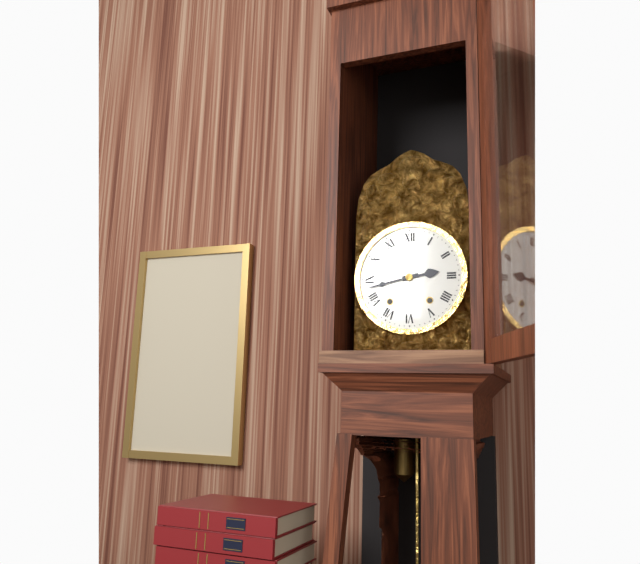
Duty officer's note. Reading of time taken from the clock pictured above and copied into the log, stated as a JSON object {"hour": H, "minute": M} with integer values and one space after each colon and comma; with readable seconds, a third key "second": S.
{"hour": 2, "minute": 43}
